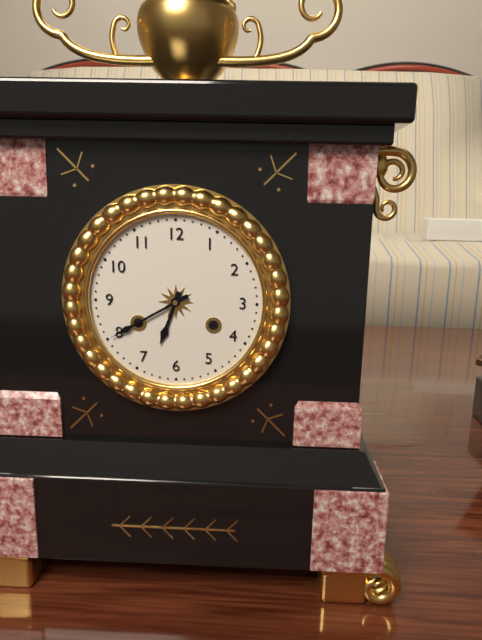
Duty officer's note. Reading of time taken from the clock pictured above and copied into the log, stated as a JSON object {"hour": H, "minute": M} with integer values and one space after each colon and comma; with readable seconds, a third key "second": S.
{"hour": 6, "minute": 40}
